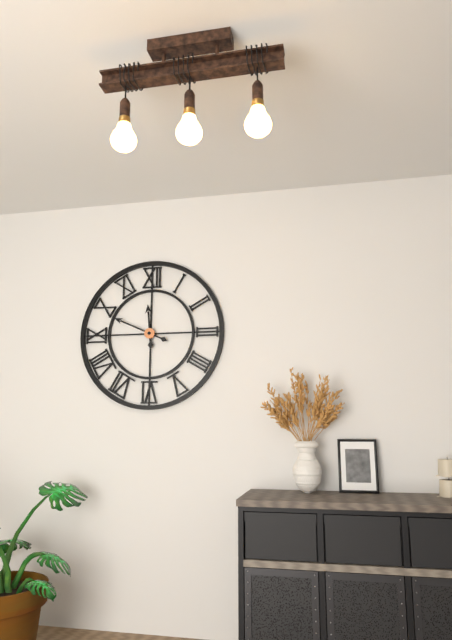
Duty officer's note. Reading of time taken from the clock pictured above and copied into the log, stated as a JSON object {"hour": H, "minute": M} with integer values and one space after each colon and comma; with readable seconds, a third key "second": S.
{"hour": 11, "minute": 49}
